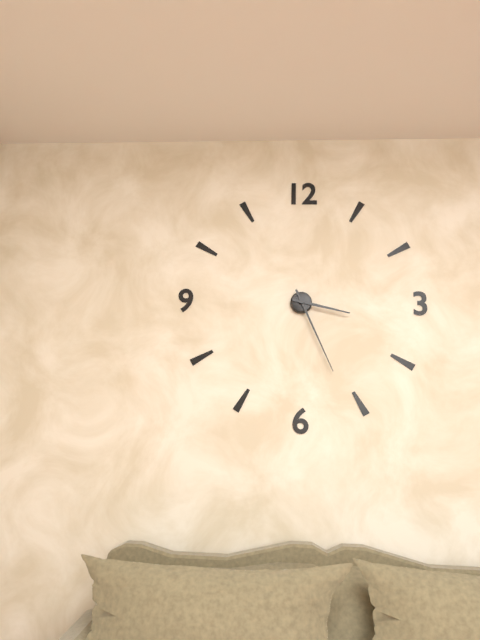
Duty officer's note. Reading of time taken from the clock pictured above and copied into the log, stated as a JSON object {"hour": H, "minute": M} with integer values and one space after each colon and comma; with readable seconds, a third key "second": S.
{"hour": 3, "minute": 26}
